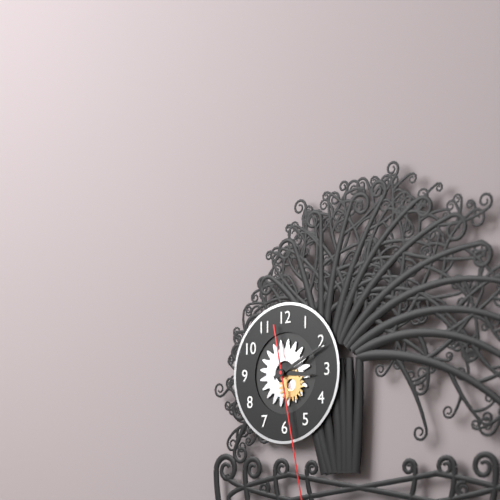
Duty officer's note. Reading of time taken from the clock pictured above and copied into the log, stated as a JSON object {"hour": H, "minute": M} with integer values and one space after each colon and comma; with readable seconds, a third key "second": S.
{"hour": 3, "minute": 11}
